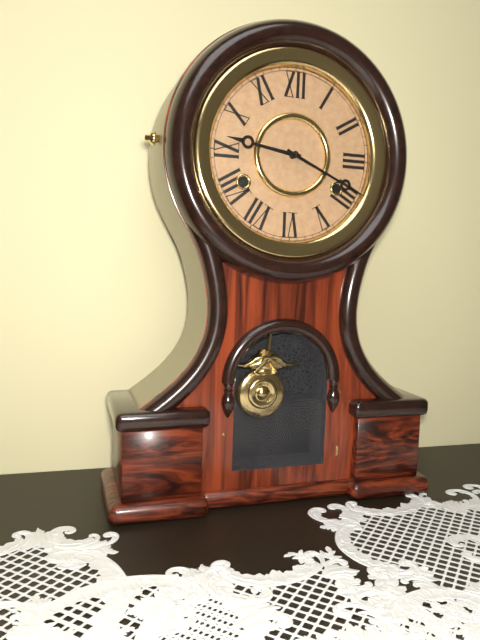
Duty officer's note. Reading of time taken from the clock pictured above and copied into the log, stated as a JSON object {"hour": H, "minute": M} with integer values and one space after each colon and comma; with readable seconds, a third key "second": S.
{"hour": 9, "minute": 19}
